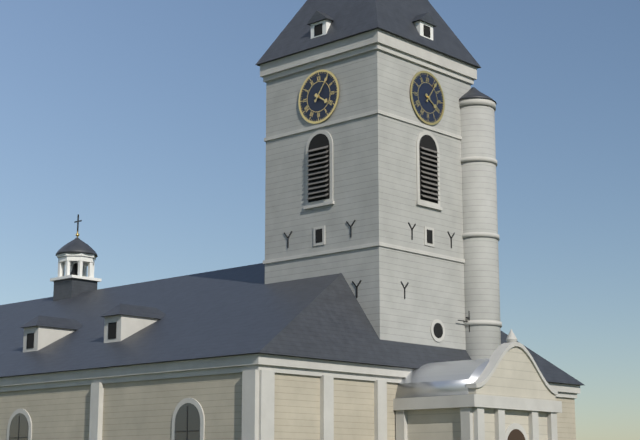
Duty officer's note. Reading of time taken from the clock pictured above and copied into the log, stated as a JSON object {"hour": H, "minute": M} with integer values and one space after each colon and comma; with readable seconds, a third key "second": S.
{"hour": 4, "minute": 6}
